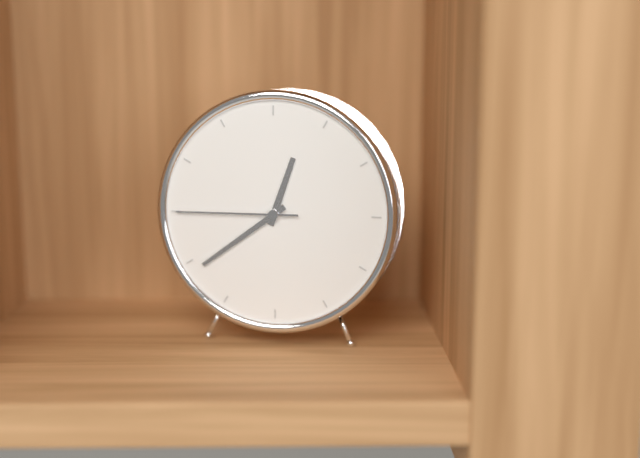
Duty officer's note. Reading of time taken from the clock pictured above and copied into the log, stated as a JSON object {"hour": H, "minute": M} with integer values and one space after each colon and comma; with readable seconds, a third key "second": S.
{"hour": 12, "minute": 39, "second": 45}
